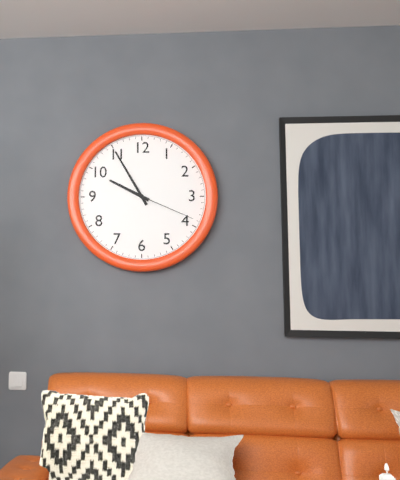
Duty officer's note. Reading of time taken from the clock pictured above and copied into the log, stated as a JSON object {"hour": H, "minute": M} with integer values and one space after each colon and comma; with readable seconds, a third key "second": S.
{"hour": 9, "minute": 55, "second": 19}
